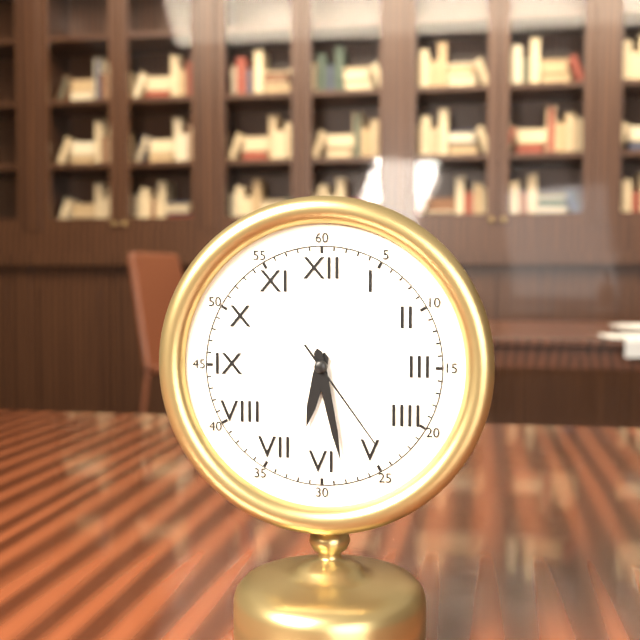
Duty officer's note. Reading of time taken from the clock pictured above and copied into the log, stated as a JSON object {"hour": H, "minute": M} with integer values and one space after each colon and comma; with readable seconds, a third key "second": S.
{"hour": 6, "minute": 28, "second": 24}
